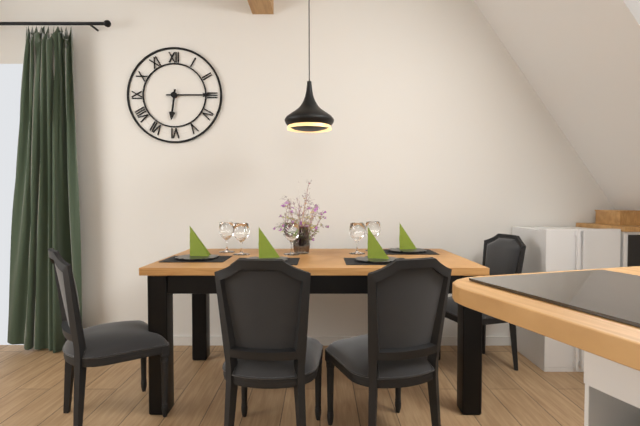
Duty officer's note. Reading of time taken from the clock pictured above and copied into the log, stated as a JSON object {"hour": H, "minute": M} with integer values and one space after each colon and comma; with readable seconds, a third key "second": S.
{"hour": 6, "minute": 15}
